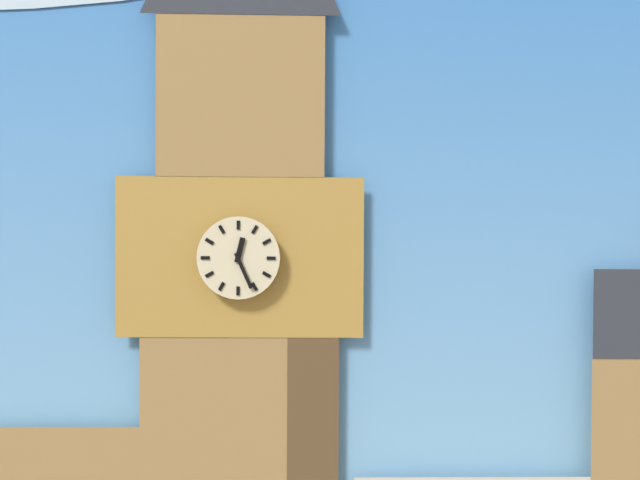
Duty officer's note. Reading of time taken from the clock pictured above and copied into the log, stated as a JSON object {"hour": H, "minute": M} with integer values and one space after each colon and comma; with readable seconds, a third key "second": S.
{"hour": 12, "minute": 26}
